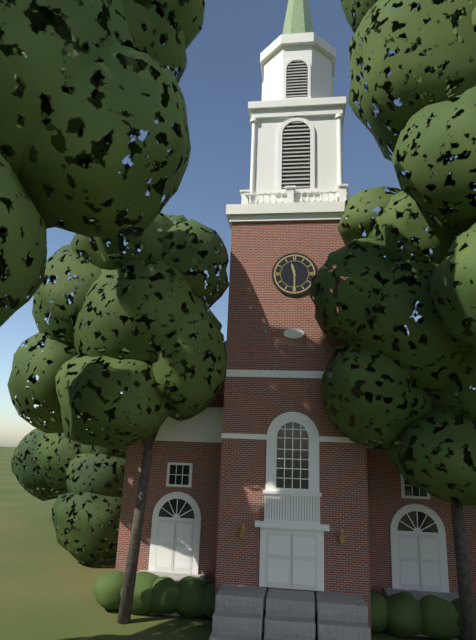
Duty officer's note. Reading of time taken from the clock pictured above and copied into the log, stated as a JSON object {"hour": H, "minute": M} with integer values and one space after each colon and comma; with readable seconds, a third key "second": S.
{"hour": 11, "minute": 30}
